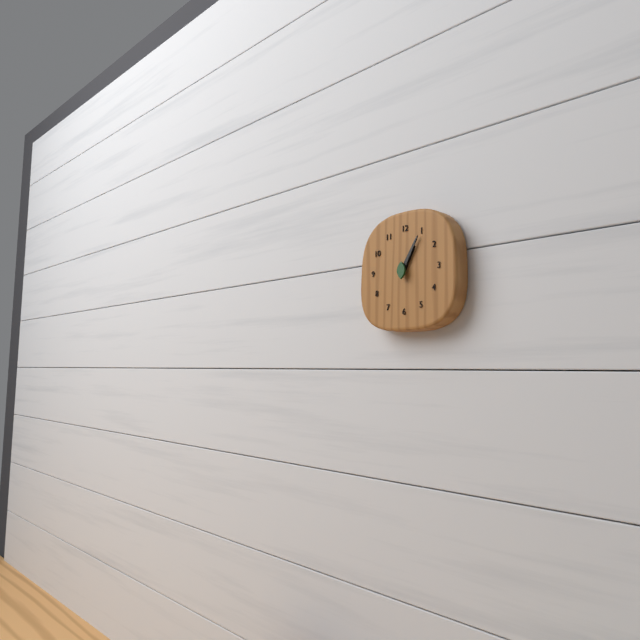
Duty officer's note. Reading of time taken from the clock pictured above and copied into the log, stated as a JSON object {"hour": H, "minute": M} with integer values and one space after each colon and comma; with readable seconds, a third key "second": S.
{"hour": 1, "minute": 5}
